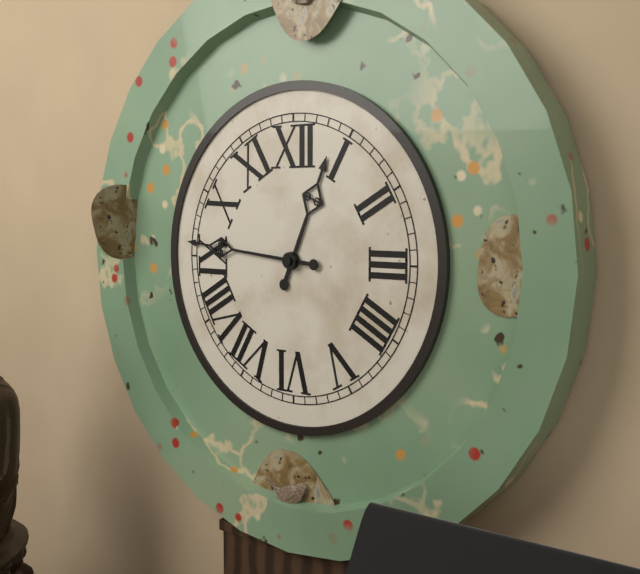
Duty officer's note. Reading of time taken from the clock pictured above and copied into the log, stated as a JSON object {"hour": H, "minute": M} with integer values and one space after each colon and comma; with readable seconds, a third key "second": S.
{"hour": 12, "minute": 46}
